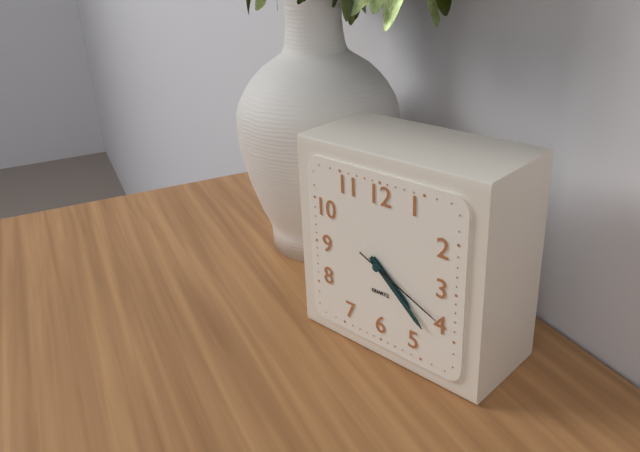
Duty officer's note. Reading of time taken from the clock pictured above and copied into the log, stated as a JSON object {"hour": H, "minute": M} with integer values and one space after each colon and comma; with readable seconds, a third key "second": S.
{"hour": 4, "minute": 22, "second": 19}
